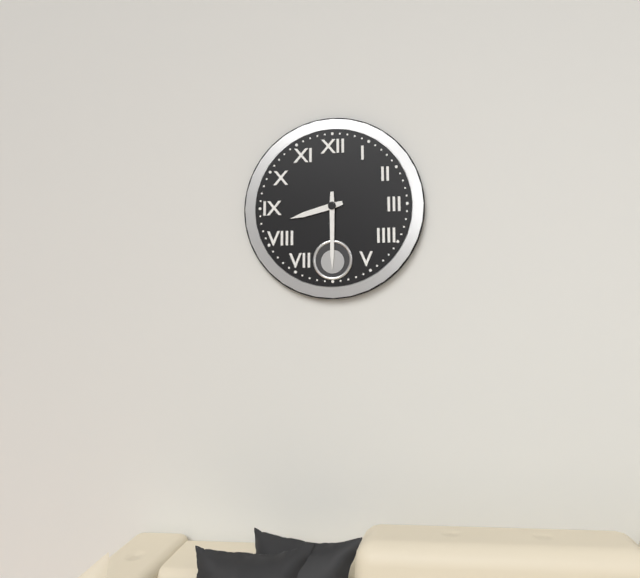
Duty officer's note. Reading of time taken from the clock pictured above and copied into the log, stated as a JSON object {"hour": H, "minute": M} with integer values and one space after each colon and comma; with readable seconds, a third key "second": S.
{"hour": 8, "minute": 30}
